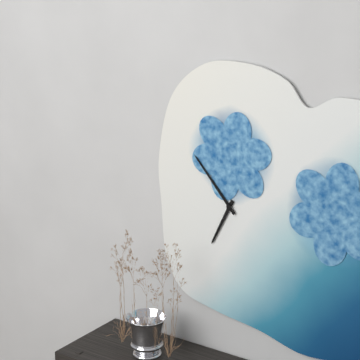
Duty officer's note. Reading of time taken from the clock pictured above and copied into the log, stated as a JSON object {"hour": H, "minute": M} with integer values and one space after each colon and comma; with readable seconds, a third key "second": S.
{"hour": 6, "minute": 53}
